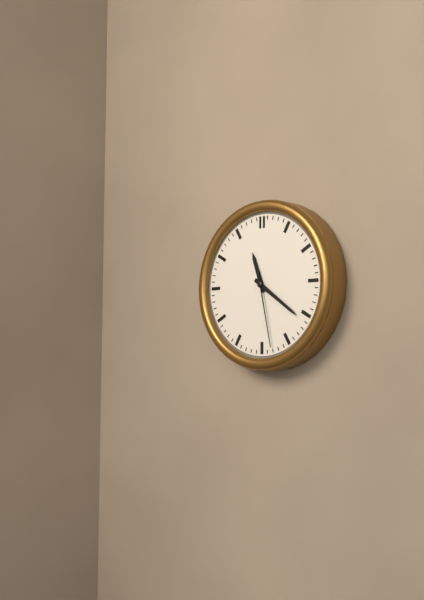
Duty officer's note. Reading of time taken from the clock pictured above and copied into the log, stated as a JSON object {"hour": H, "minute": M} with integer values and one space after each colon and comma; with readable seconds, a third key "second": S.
{"hour": 11, "minute": 21, "second": 28}
